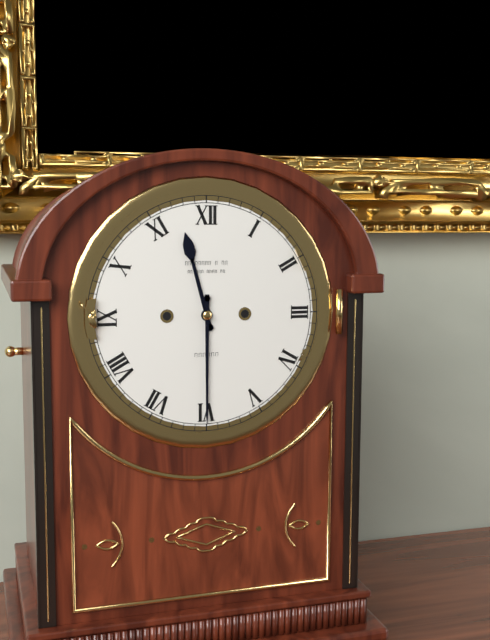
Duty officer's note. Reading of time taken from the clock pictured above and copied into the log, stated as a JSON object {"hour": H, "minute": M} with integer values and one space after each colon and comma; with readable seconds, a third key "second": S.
{"hour": 11, "minute": 30}
